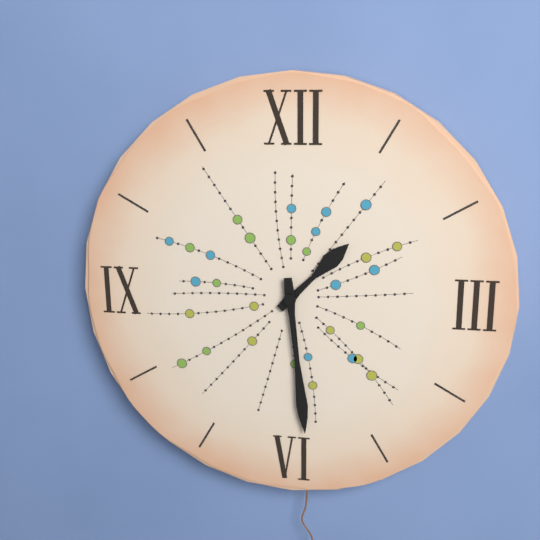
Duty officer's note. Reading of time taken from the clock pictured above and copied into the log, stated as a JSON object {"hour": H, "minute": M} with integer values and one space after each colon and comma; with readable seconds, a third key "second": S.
{"hour": 1, "minute": 29}
